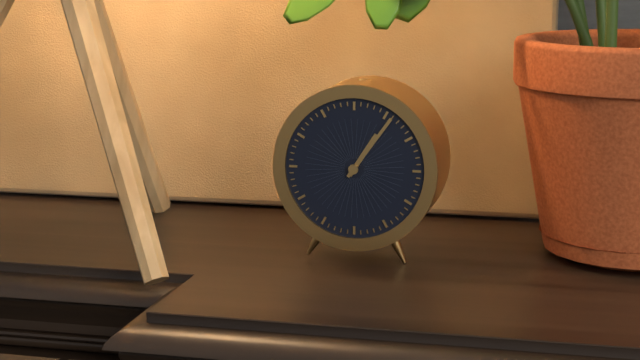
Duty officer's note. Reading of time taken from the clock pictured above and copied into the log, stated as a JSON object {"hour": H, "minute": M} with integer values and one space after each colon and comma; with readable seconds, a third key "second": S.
{"hour": 1, "minute": 6}
